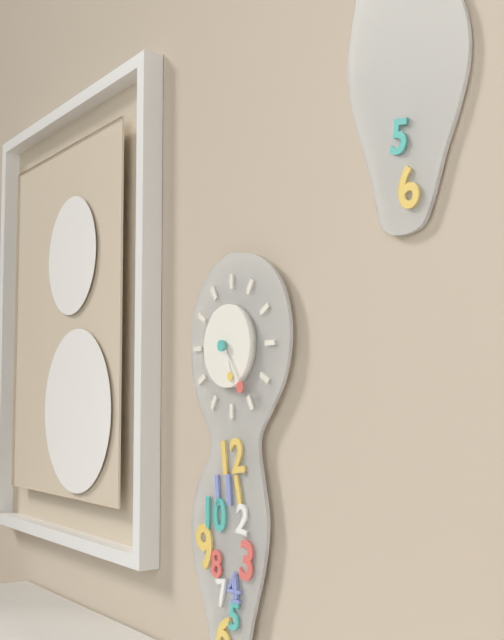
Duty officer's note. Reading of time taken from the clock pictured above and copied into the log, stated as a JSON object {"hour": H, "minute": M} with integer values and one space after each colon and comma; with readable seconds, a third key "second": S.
{"hour": 5, "minute": 24}
